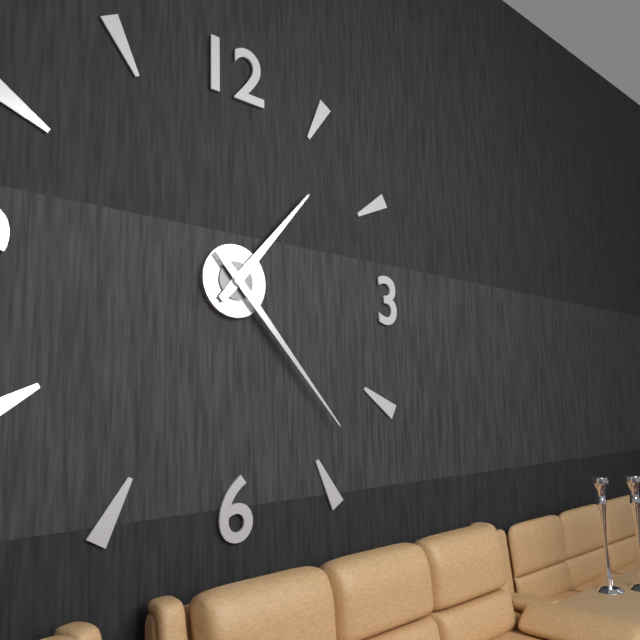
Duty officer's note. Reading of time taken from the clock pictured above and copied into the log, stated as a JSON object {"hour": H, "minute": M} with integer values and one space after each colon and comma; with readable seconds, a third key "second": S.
{"hour": 1, "minute": 23}
